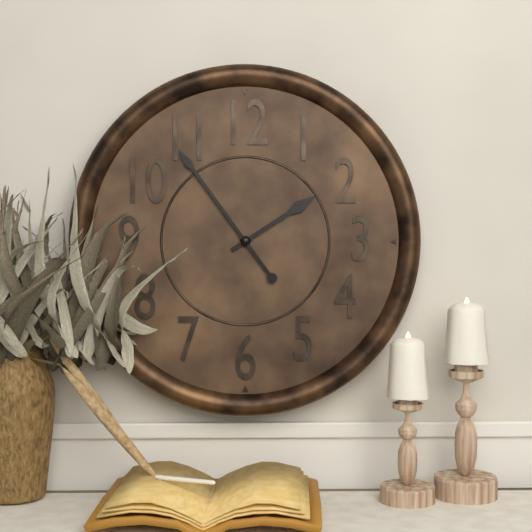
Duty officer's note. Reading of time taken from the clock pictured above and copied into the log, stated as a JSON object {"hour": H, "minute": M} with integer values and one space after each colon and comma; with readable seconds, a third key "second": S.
{"hour": 1, "minute": 54}
